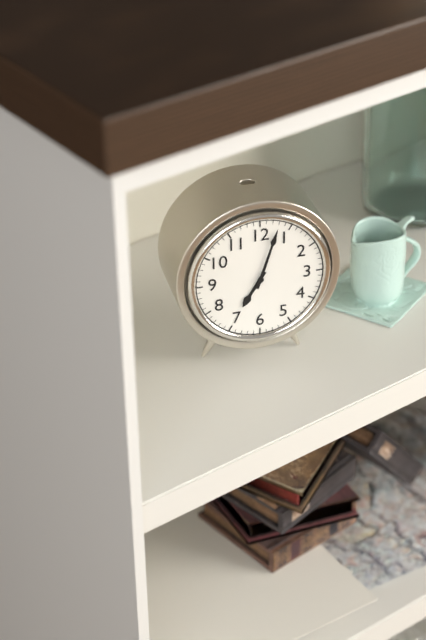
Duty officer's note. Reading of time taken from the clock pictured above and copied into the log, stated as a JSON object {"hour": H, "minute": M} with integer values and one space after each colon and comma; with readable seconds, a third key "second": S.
{"hour": 7, "minute": 3}
